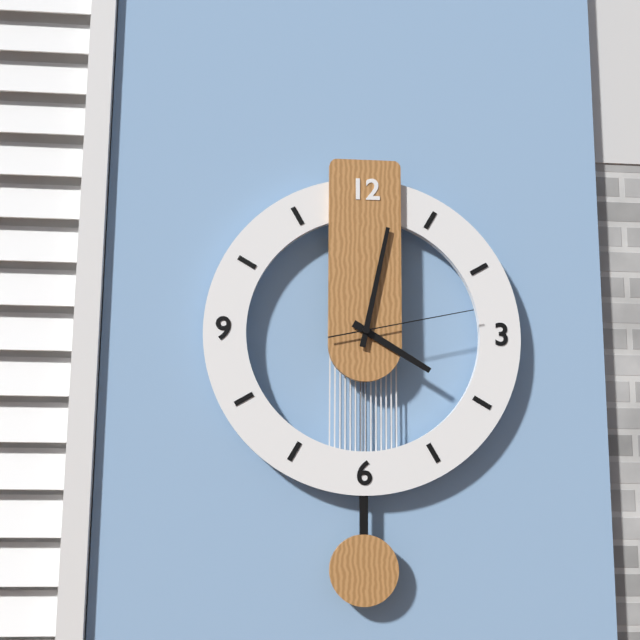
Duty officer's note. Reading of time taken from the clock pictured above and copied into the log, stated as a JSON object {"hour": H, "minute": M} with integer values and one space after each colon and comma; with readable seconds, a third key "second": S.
{"hour": 4, "minute": 2, "second": 13}
